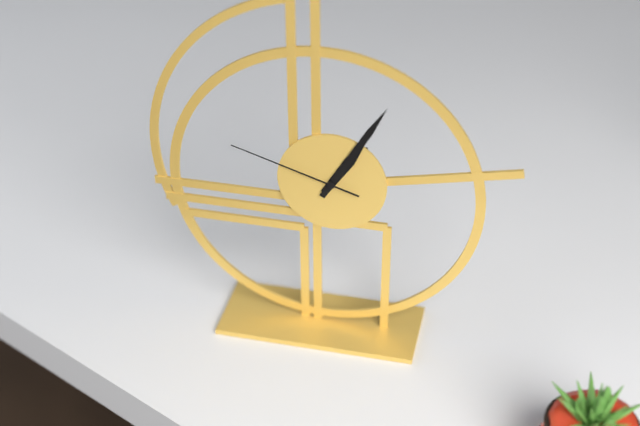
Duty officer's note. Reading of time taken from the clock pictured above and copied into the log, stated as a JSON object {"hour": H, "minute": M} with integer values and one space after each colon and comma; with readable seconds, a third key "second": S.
{"hour": 1, "minute": 5, "second": 48}
